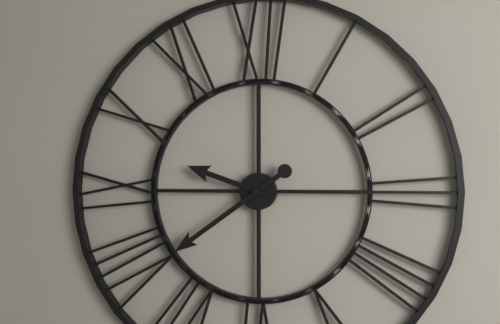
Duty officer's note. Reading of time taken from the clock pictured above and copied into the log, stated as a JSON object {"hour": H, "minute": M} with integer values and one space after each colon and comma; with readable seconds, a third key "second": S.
{"hour": 9, "minute": 39}
